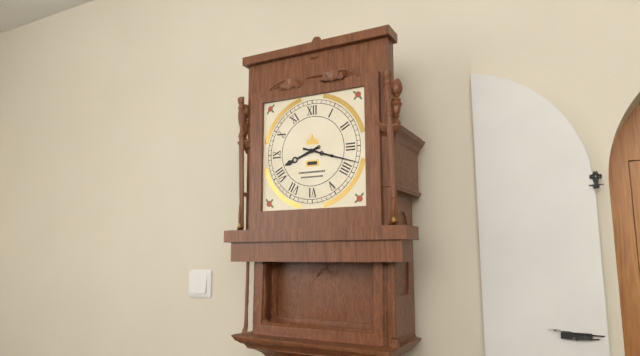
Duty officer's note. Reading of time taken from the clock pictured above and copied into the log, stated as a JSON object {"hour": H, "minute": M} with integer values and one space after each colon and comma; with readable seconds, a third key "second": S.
{"hour": 8, "minute": 18}
